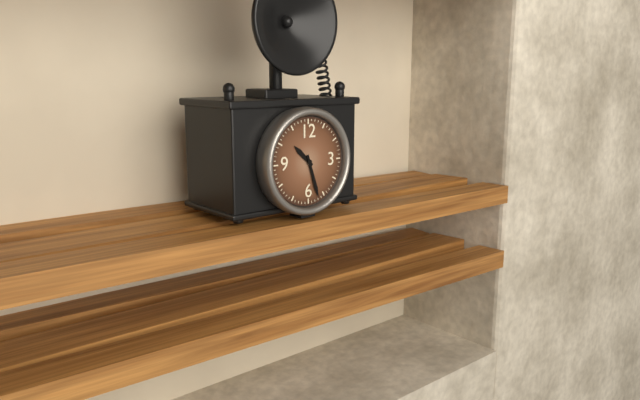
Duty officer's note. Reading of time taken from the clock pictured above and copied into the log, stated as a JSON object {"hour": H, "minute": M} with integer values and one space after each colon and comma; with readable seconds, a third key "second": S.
{"hour": 10, "minute": 27}
